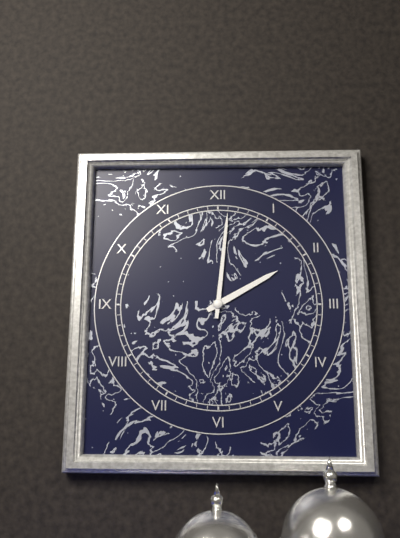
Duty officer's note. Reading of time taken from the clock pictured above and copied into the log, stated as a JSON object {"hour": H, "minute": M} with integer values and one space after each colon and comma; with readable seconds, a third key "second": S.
{"hour": 2, "minute": 1}
